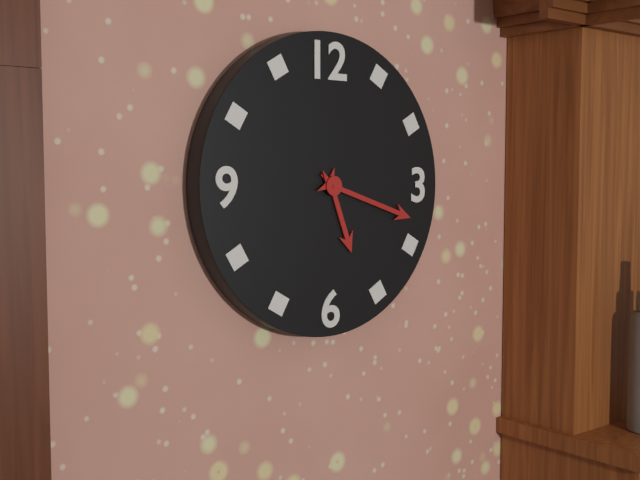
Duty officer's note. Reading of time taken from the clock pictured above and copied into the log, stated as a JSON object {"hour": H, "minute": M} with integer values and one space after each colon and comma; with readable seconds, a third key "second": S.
{"hour": 5, "minute": 18}
